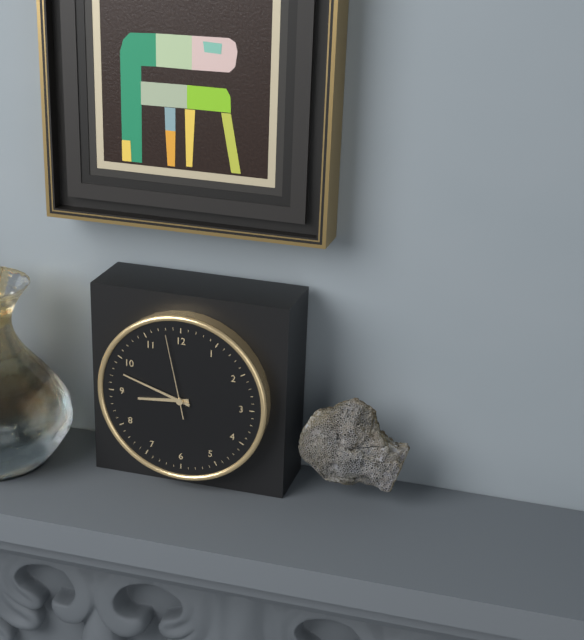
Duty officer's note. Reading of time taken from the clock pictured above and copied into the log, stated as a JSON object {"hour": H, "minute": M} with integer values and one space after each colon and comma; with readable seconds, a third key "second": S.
{"hour": 8, "minute": 48, "second": 58}
